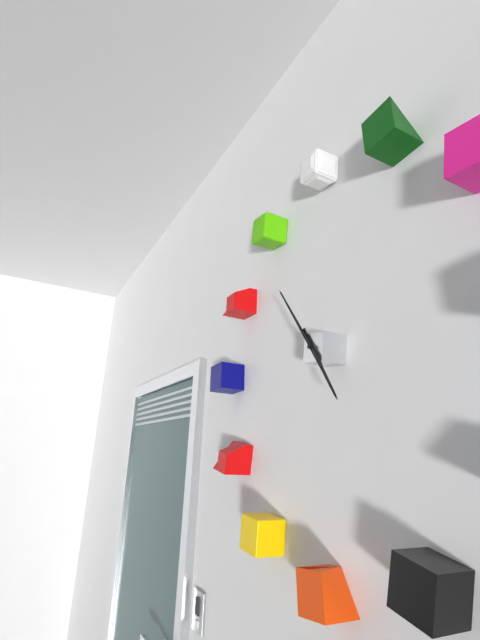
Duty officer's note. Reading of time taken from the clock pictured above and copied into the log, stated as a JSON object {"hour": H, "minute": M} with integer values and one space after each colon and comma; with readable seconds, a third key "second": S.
{"hour": 4, "minute": 54}
